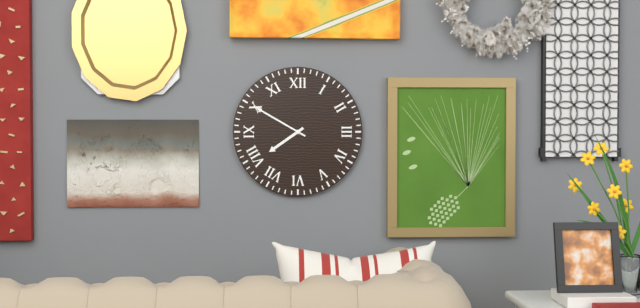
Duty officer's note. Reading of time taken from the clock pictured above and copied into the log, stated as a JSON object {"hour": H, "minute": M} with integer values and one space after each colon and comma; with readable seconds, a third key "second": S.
{"hour": 7, "minute": 50}
